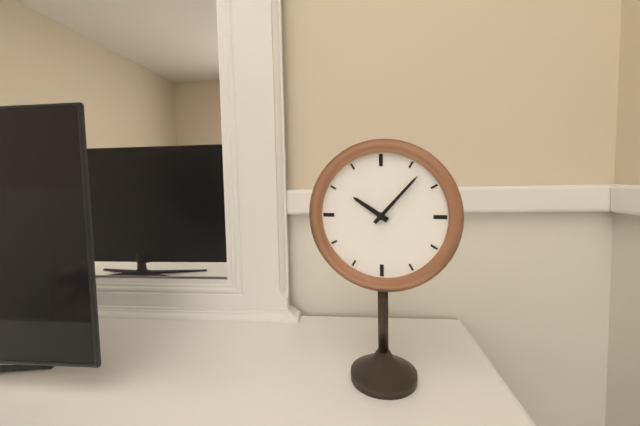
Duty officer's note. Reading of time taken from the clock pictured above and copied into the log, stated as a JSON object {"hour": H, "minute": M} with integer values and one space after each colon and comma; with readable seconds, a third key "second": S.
{"hour": 10, "minute": 7}
